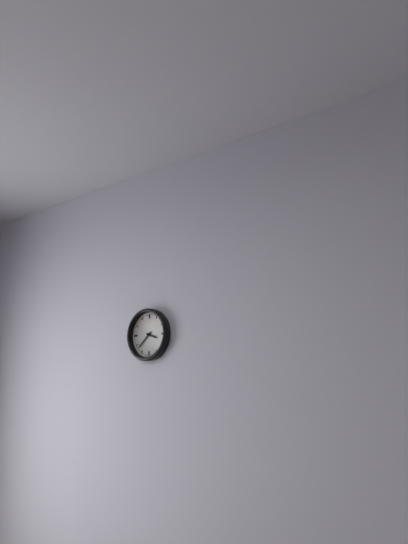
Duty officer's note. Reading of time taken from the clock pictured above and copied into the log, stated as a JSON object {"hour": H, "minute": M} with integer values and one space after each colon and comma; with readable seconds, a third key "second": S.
{"hour": 3, "minute": 38}
